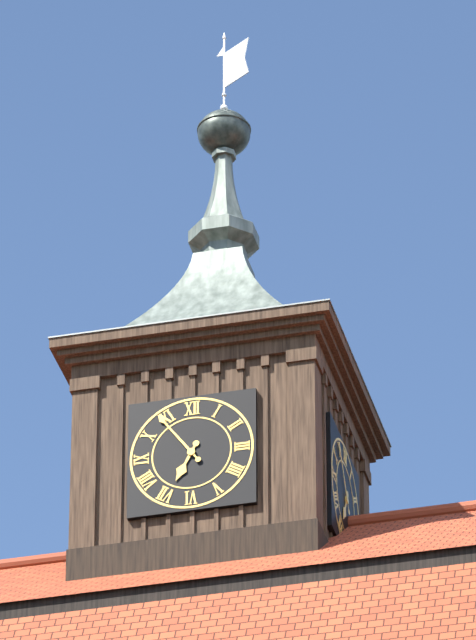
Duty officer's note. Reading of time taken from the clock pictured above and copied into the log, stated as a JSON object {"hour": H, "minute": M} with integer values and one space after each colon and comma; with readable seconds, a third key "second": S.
{"hour": 6, "minute": 54}
